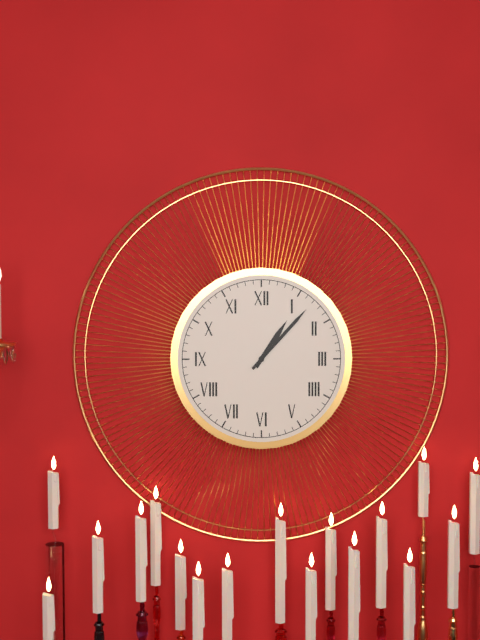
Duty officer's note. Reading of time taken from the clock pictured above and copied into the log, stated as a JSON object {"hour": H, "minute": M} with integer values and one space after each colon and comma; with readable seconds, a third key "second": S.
{"hour": 1, "minute": 7}
